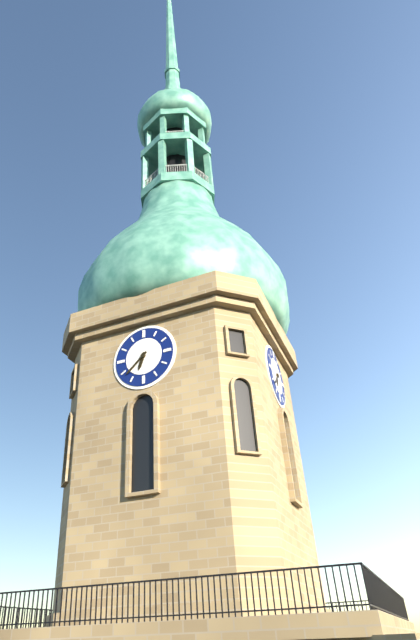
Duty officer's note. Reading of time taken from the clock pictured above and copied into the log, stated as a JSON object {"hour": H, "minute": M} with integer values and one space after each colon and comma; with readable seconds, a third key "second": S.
{"hour": 6, "minute": 38}
